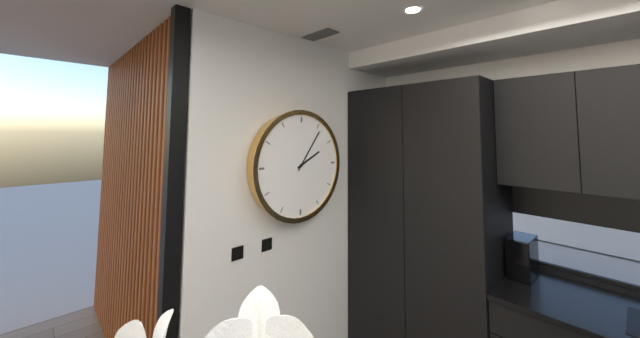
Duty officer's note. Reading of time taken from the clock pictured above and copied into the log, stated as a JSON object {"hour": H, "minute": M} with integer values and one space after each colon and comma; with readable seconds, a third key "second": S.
{"hour": 2, "minute": 6}
